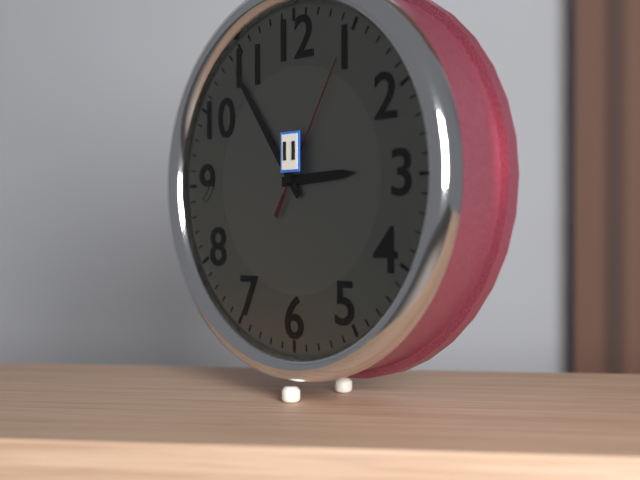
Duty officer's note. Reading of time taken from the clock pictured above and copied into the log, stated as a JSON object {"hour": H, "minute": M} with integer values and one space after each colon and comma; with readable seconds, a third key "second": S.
{"hour": 2, "minute": 54, "second": 5}
